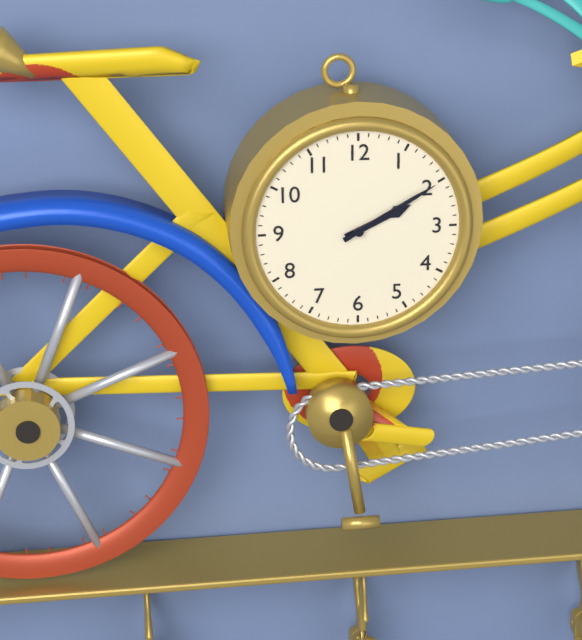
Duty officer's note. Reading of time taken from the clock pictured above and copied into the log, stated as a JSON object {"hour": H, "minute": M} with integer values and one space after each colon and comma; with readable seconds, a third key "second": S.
{"hour": 2, "minute": 10}
